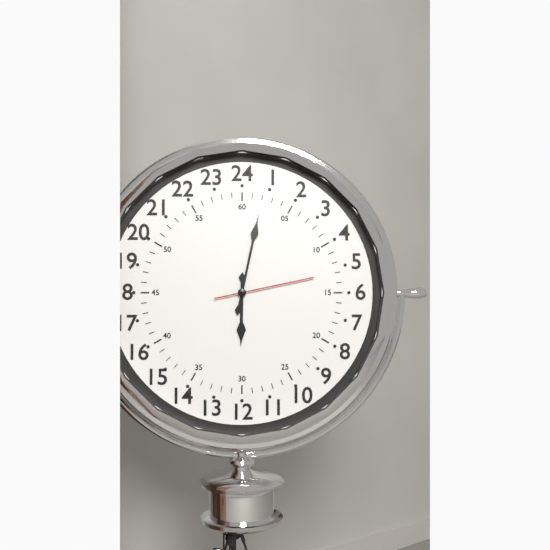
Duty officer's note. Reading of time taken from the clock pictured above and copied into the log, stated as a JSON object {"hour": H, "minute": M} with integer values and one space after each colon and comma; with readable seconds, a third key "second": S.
{"hour": 6, "minute": 2, "second": 13}
